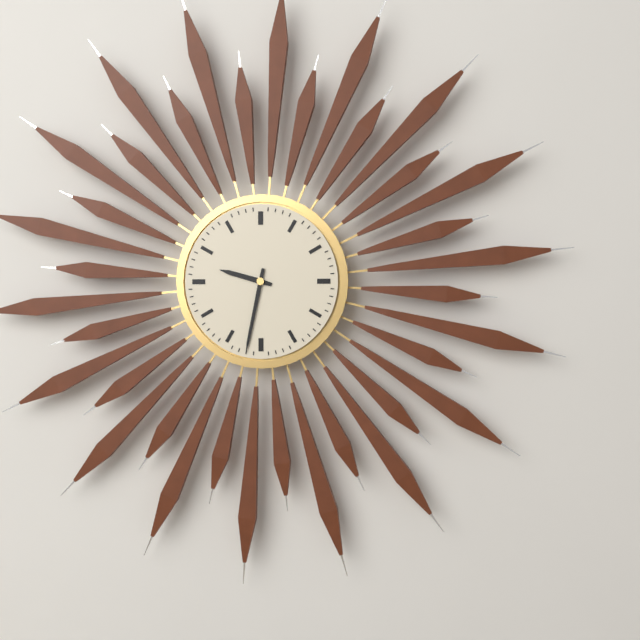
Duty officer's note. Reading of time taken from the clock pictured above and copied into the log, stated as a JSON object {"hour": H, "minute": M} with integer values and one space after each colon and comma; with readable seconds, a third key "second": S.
{"hour": 9, "minute": 32}
